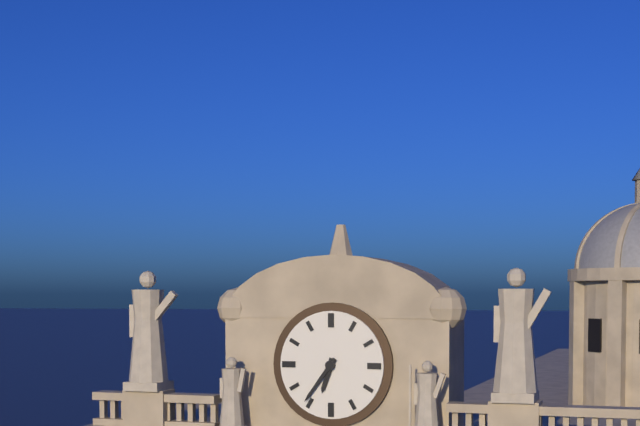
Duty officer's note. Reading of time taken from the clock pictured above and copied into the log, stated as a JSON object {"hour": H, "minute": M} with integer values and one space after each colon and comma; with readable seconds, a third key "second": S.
{"hour": 6, "minute": 36}
